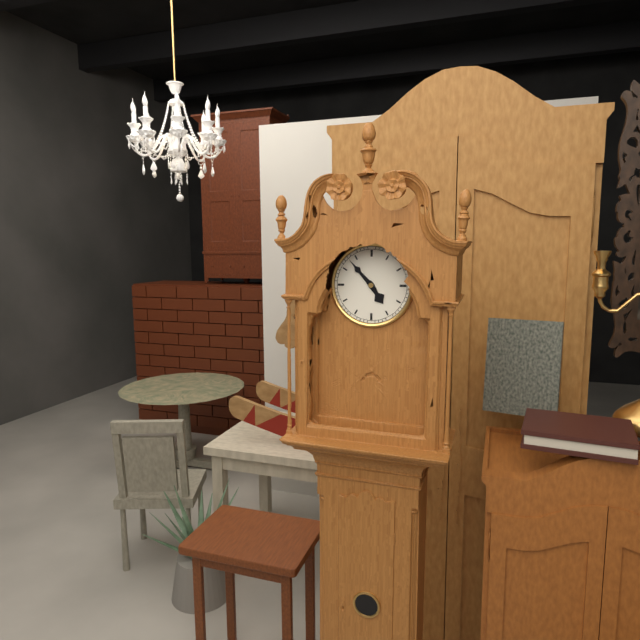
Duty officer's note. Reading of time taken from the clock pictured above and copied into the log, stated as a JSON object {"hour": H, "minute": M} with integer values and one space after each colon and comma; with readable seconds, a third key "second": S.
{"hour": 4, "minute": 53}
